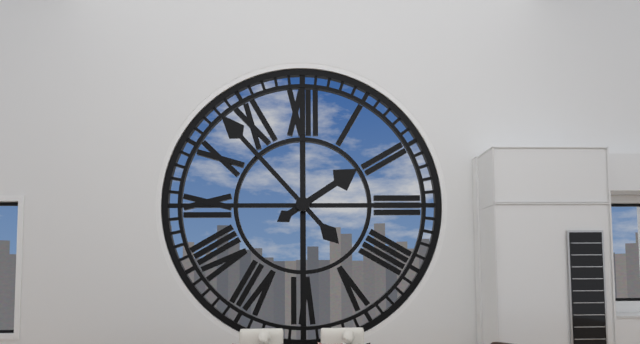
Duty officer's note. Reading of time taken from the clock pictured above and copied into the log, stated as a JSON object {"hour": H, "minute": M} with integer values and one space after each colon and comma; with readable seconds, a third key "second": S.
{"hour": 1, "minute": 53}
